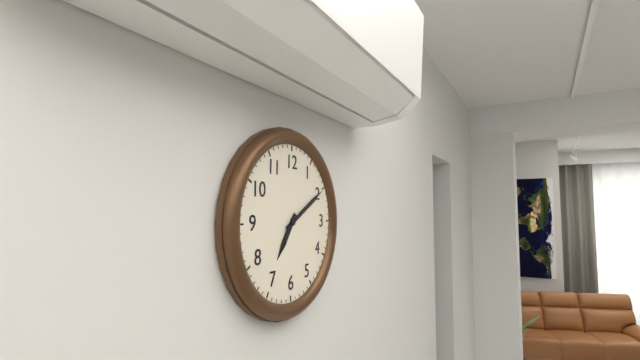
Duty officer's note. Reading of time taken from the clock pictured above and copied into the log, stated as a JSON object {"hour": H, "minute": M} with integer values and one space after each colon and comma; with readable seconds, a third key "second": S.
{"hour": 7, "minute": 10}
